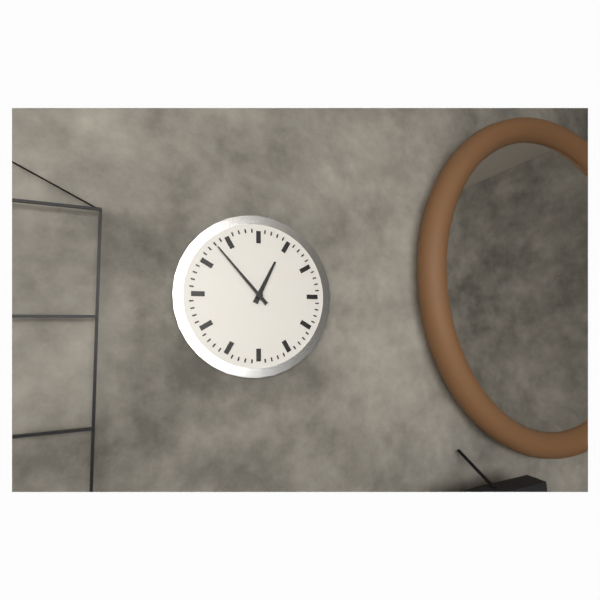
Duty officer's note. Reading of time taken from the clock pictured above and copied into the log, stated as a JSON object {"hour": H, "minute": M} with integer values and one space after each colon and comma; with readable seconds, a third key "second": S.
{"hour": 12, "minute": 53}
